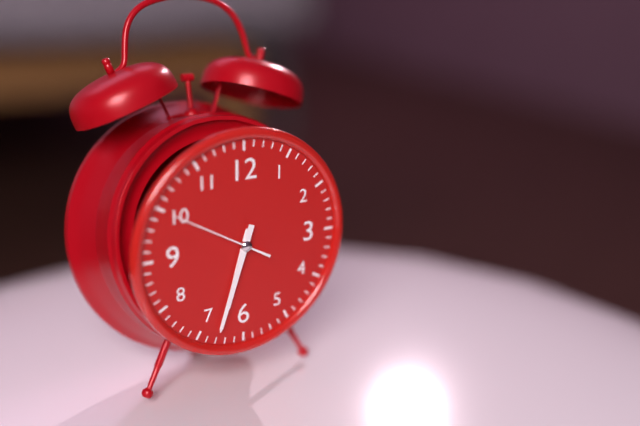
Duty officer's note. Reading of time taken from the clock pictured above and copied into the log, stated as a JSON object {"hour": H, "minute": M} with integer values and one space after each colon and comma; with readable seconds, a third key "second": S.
{"hour": 6, "minute": 33, "second": 50}
